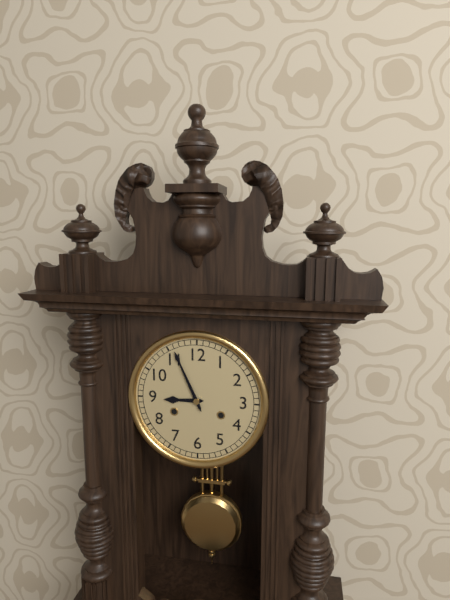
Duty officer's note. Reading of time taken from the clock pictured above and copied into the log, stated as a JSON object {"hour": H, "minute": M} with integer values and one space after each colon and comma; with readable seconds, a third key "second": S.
{"hour": 8, "minute": 56}
